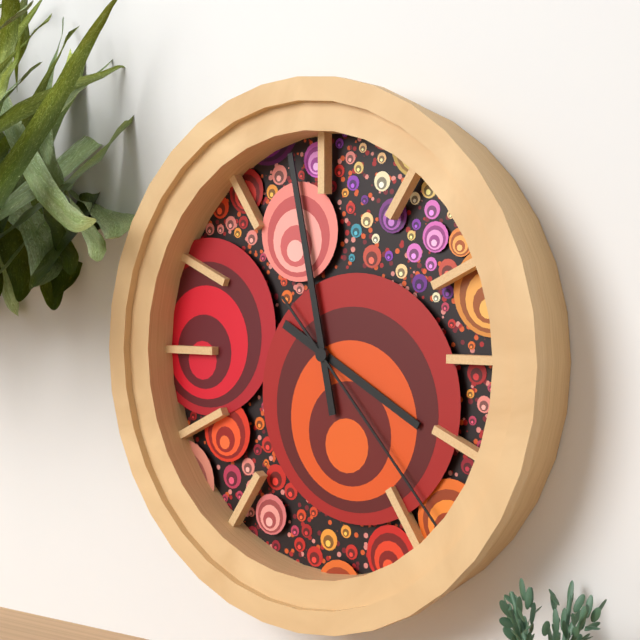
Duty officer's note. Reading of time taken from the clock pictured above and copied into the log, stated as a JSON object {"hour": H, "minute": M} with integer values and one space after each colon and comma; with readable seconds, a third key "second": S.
{"hour": 3, "minute": 58, "second": 23}
